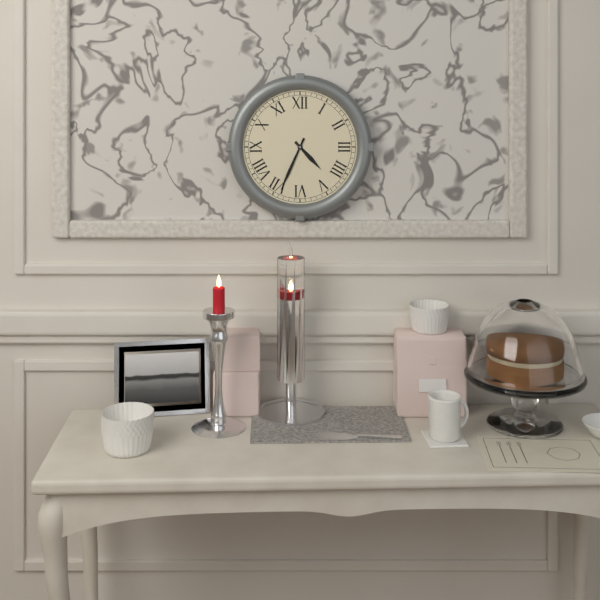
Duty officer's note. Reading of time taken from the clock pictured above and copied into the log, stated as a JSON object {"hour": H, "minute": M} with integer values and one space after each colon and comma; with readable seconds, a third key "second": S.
{"hour": 4, "minute": 34}
